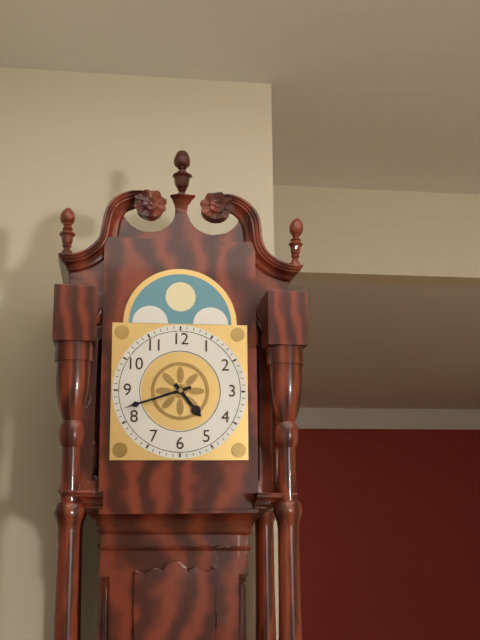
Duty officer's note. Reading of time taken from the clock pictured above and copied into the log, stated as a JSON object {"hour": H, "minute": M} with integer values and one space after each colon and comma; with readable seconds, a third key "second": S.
{"hour": 4, "minute": 42}
